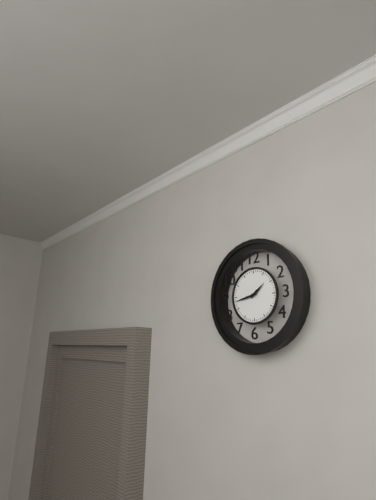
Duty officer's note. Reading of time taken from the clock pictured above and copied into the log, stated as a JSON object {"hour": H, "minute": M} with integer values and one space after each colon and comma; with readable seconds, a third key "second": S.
{"hour": 1, "minute": 43}
